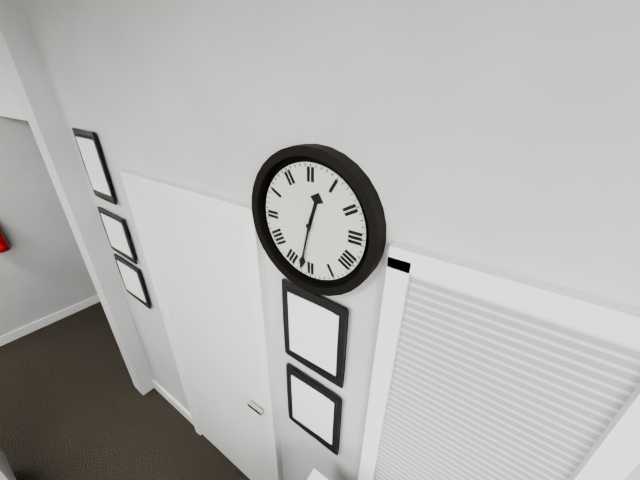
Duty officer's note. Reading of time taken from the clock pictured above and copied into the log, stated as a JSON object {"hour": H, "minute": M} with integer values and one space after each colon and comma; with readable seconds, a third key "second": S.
{"hour": 12, "minute": 32}
